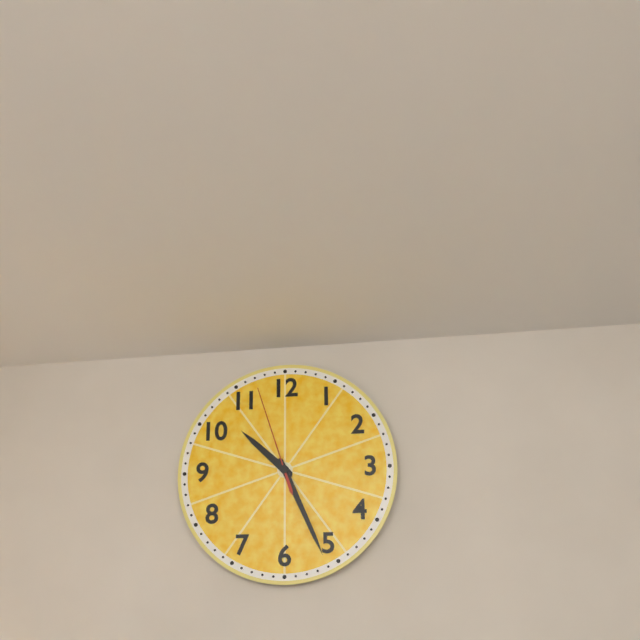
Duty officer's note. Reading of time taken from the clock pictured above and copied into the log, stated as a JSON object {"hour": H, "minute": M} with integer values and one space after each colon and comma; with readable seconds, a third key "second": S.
{"hour": 10, "minute": 26, "second": 57}
